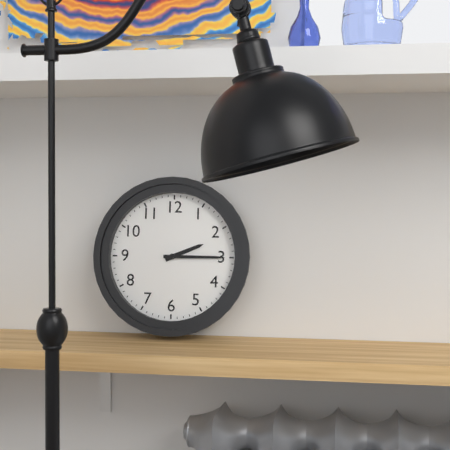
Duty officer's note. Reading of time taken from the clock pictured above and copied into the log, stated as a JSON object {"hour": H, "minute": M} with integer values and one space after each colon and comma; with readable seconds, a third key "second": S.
{"hour": 2, "minute": 15}
